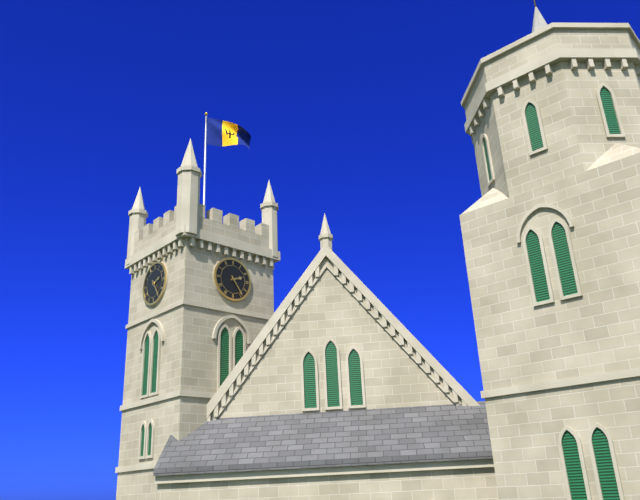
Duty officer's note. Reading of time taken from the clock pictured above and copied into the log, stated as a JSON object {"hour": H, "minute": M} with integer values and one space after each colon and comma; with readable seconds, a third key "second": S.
{"hour": 2, "minute": 24}
